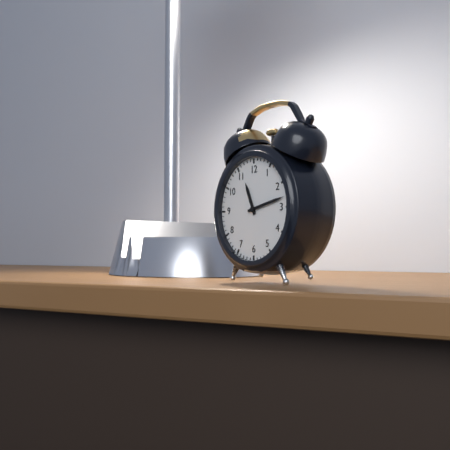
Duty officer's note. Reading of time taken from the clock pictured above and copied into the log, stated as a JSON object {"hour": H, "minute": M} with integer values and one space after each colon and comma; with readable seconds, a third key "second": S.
{"hour": 11, "minute": 13}
